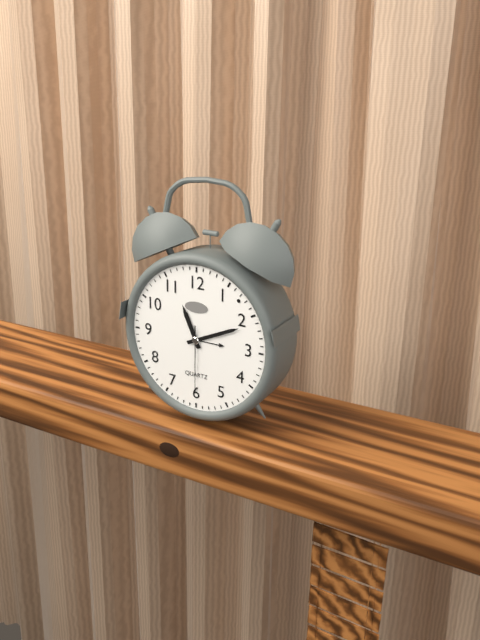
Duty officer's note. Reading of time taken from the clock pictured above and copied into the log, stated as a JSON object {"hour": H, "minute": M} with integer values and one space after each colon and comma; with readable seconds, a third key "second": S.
{"hour": 11, "minute": 11, "second": 30}
